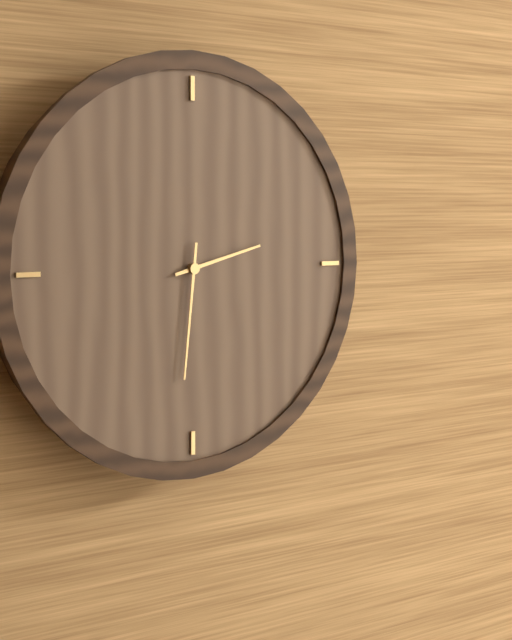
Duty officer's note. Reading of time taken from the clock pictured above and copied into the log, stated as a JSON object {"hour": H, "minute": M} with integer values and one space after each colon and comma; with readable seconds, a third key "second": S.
{"hour": 2, "minute": 31}
